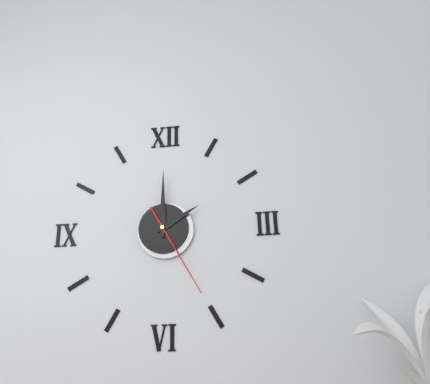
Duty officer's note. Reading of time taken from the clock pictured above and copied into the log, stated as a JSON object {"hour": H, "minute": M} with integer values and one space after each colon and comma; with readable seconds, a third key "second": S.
{"hour": 2, "minute": 0, "second": 25}
